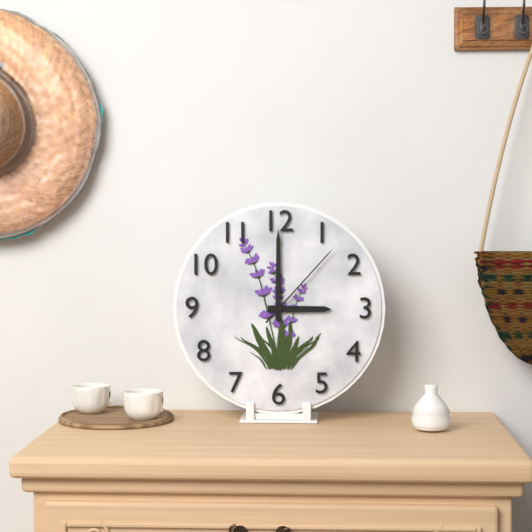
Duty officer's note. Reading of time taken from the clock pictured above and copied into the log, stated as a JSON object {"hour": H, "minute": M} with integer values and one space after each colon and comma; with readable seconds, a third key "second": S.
{"hour": 3, "minute": 0, "second": 7}
